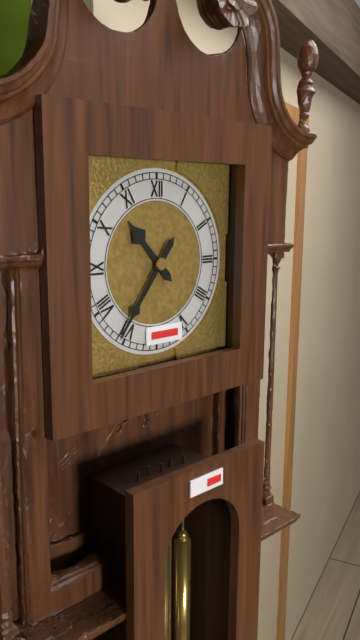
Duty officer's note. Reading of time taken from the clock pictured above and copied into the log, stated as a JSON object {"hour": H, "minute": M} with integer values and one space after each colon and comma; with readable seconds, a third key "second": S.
{"hour": 10, "minute": 36}
